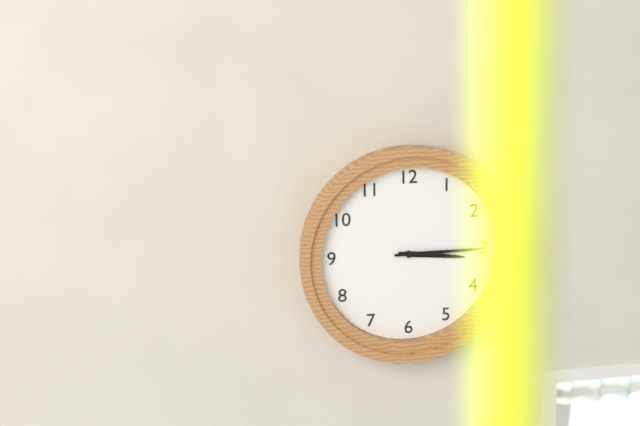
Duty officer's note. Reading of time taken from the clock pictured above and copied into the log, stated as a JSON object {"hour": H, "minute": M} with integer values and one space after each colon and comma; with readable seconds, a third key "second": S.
{"hour": 3, "minute": 15}
